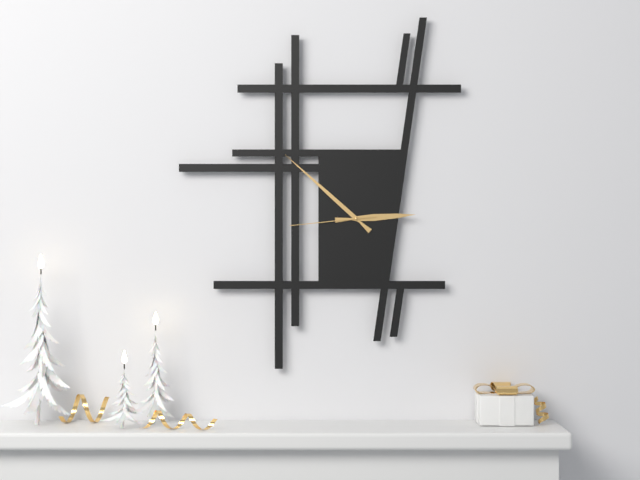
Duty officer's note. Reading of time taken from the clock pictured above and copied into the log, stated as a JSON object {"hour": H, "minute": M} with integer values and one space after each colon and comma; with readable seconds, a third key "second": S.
{"hour": 2, "minute": 52, "second": 44}
